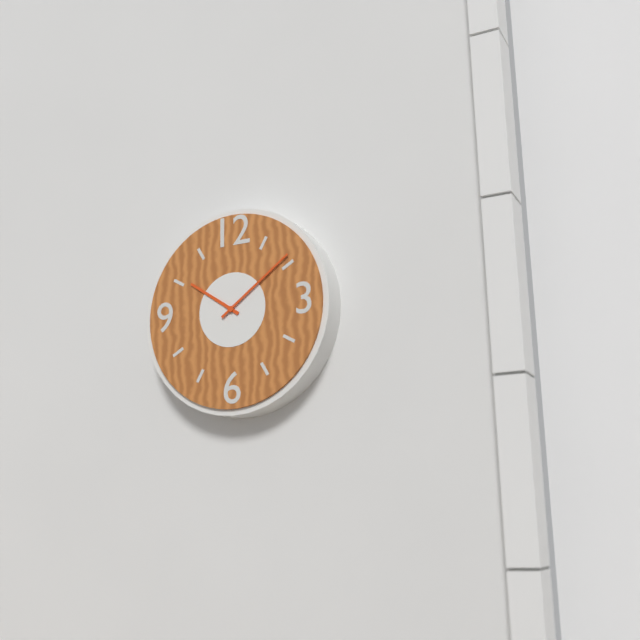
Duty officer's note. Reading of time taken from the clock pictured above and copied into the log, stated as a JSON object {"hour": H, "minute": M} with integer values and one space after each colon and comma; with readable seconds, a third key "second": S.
{"hour": 10, "minute": 9}
